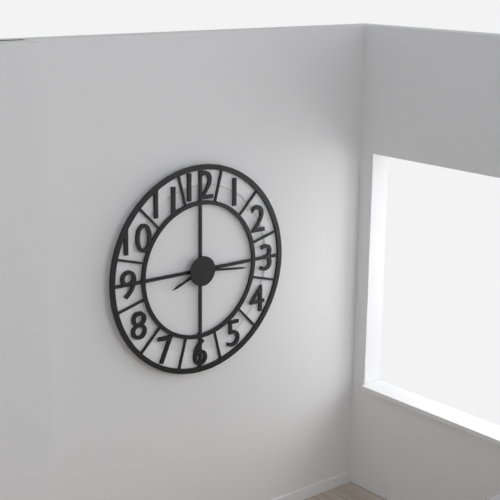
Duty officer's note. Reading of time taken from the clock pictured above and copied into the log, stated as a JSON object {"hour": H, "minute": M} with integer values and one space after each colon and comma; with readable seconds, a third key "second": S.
{"hour": 8, "minute": 16}
